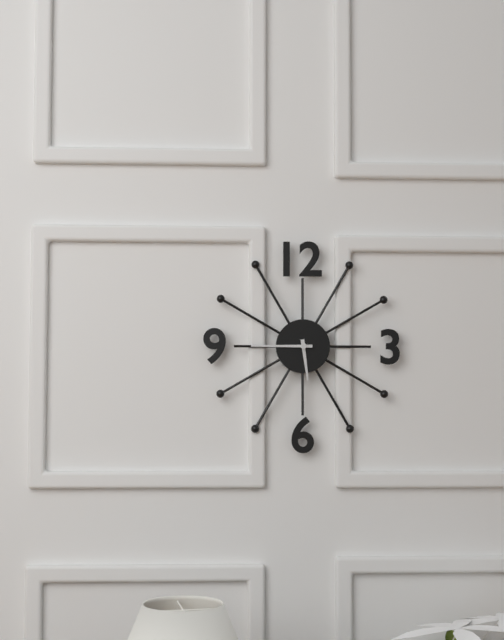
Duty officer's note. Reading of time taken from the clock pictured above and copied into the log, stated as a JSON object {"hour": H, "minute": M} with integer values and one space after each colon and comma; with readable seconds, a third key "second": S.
{"hour": 5, "minute": 45}
